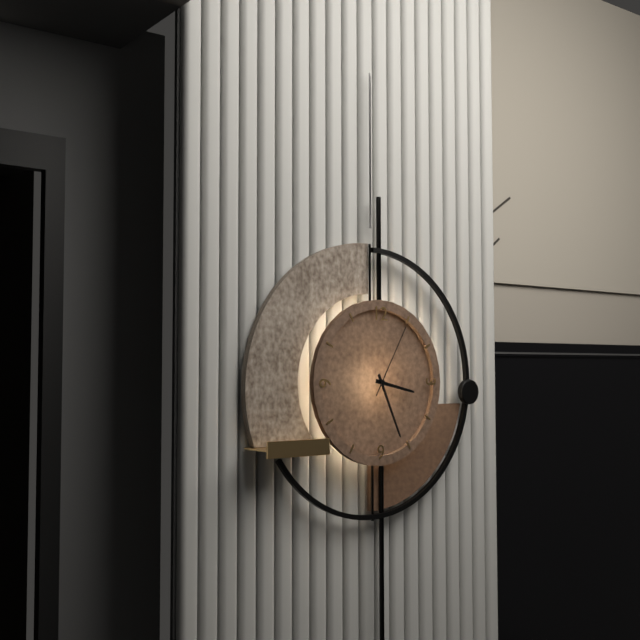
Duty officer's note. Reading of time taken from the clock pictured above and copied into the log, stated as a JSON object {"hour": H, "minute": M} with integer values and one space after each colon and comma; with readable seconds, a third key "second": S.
{"hour": 3, "minute": 26, "second": 5}
